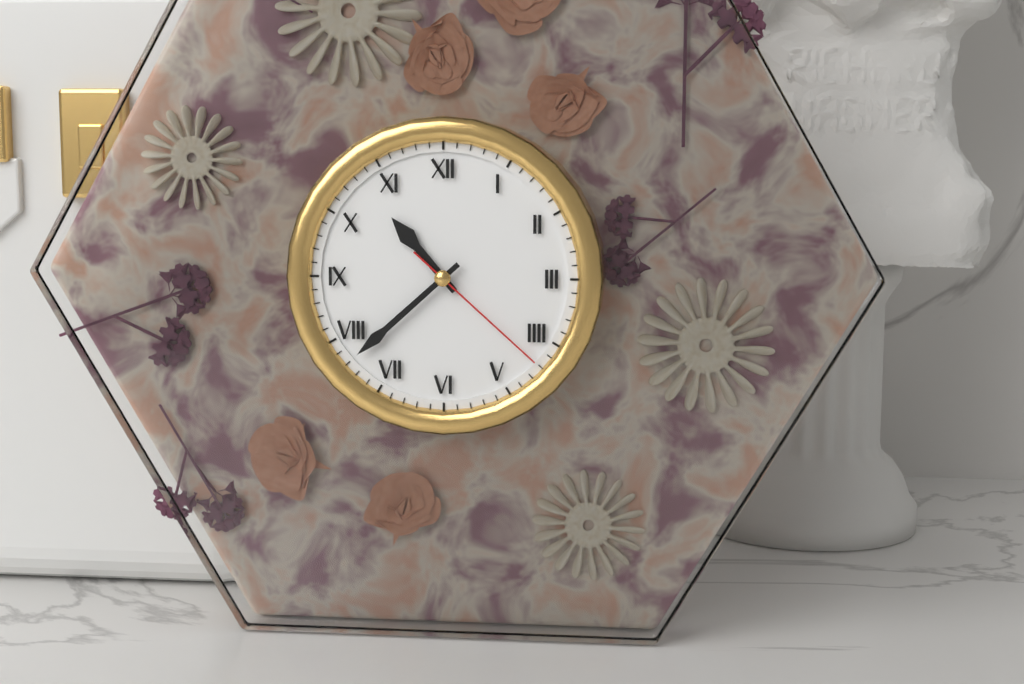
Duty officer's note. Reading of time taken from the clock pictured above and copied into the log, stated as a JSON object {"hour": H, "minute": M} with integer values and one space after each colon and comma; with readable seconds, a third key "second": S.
{"hour": 10, "minute": 38, "second": 22}
